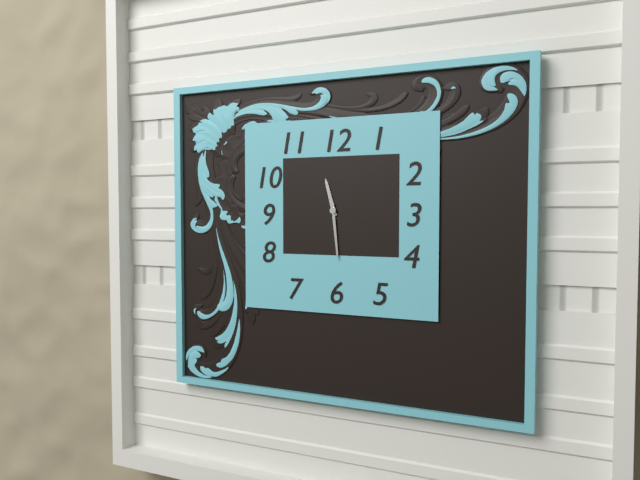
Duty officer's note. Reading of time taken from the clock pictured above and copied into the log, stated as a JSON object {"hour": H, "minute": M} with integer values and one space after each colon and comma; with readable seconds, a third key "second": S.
{"hour": 11, "minute": 29}
